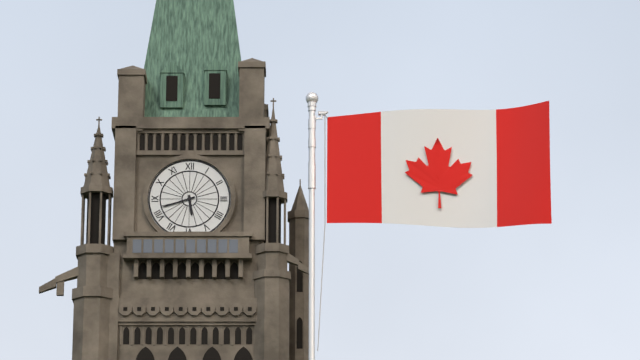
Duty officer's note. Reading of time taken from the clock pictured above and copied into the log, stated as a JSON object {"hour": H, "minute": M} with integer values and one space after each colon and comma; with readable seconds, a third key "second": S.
{"hour": 5, "minute": 42}
